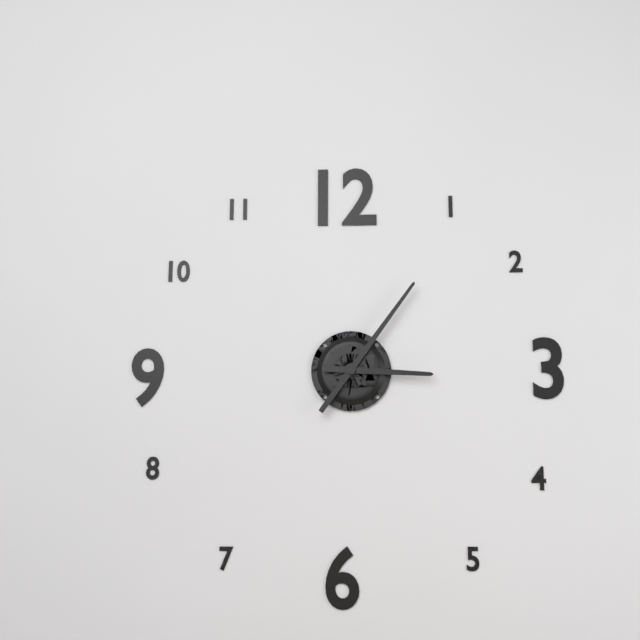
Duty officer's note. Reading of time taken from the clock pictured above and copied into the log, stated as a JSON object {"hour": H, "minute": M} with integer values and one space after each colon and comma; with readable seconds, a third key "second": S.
{"hour": 3, "minute": 6}
